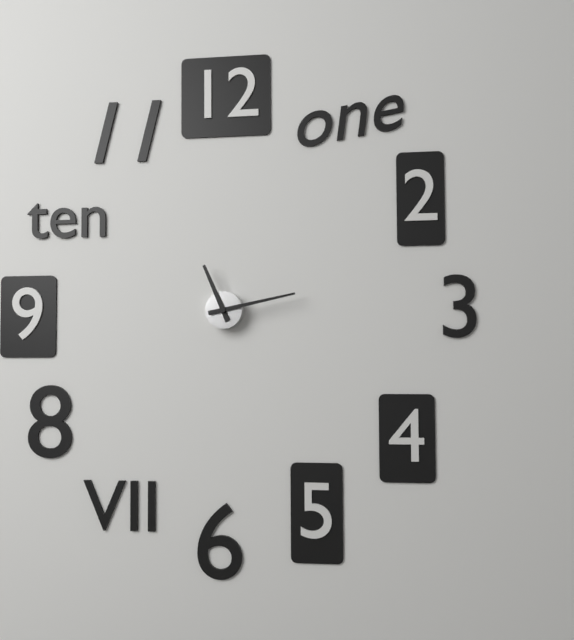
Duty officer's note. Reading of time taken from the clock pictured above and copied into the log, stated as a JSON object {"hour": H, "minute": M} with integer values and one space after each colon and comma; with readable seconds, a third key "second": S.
{"hour": 11, "minute": 13}
